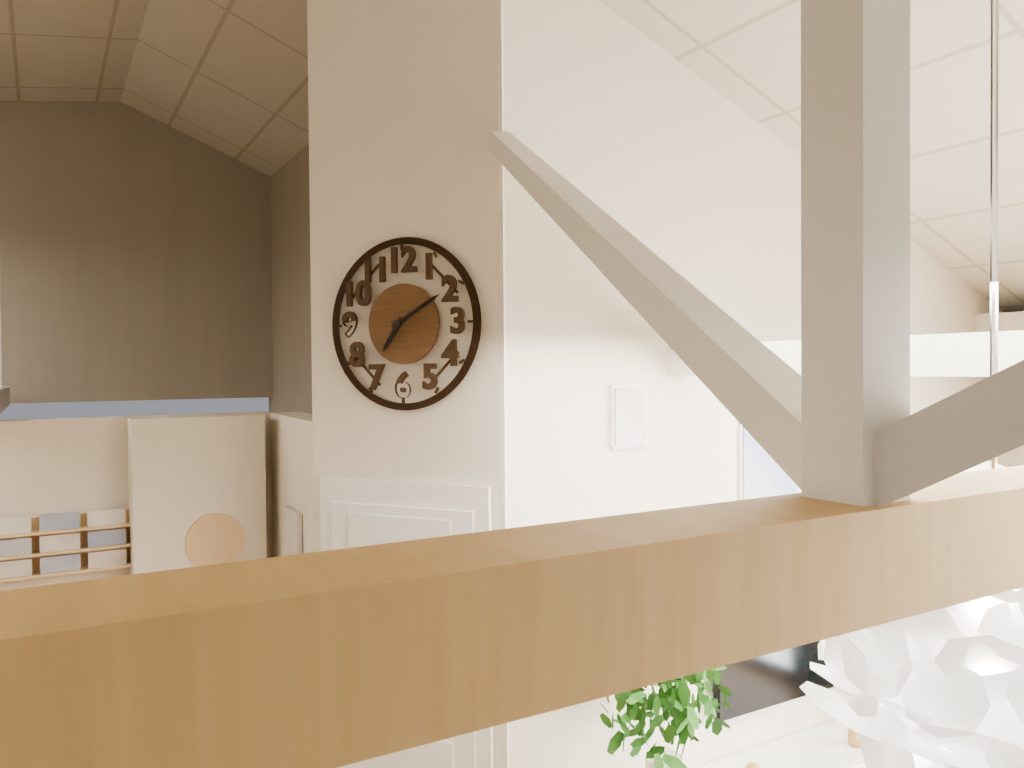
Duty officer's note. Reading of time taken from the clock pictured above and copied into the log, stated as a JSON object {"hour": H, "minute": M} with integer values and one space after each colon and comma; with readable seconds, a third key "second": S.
{"hour": 7, "minute": 10}
